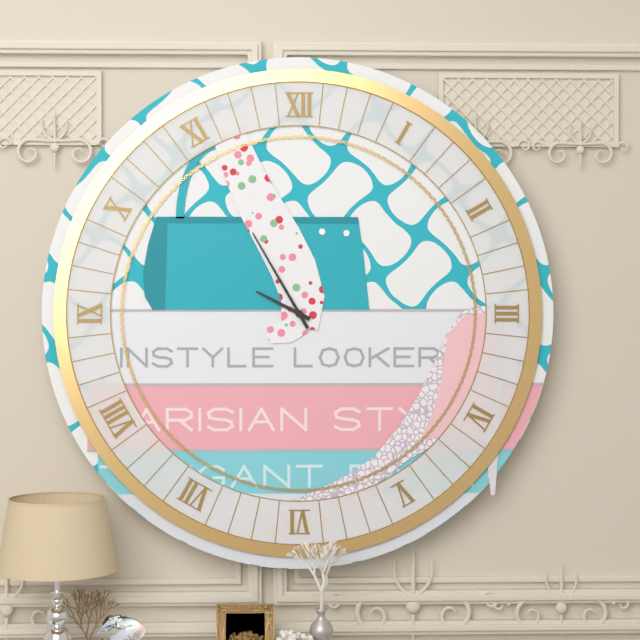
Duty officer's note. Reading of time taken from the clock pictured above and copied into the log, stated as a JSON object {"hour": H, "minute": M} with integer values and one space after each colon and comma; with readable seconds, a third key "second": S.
{"hour": 9, "minute": 55}
